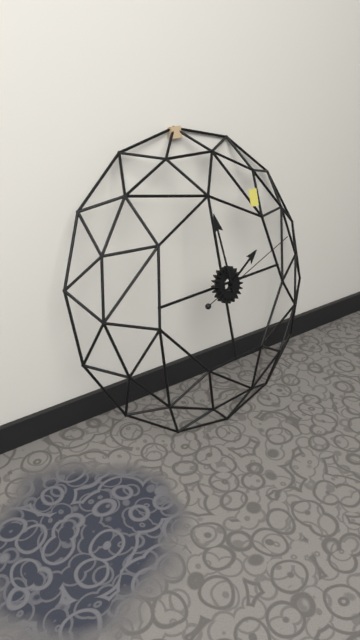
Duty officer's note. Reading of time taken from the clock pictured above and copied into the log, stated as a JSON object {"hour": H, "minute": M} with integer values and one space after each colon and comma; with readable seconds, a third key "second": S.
{"hour": 1, "minute": 59, "second": 12}
